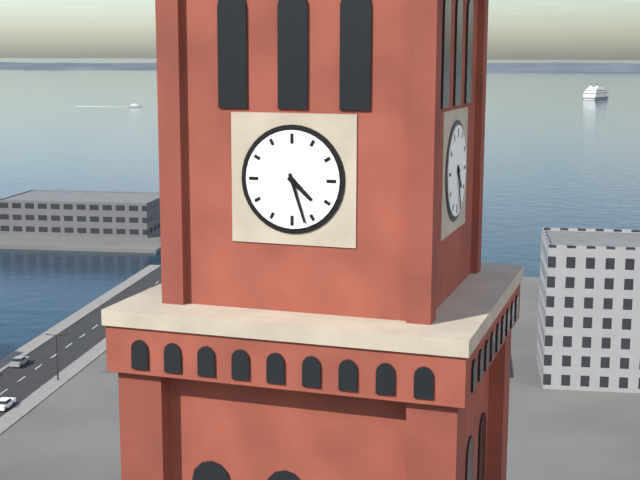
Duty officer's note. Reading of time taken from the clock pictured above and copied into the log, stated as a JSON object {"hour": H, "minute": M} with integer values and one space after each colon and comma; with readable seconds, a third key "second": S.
{"hour": 4, "minute": 27}
